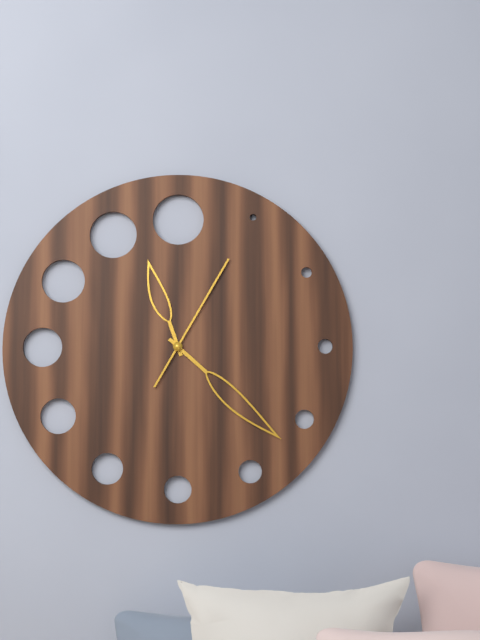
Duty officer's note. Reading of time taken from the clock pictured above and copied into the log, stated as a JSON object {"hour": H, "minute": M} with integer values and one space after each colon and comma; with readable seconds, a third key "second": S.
{"hour": 11, "minute": 22, "second": 5}
